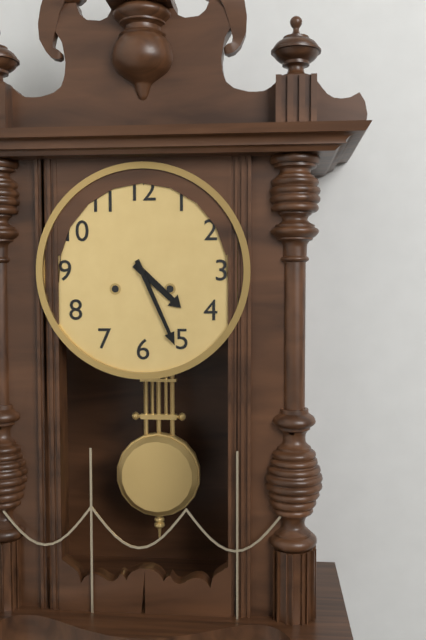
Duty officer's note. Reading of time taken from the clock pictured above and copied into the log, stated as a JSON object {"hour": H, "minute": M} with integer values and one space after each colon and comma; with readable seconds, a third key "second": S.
{"hour": 4, "minute": 26}
